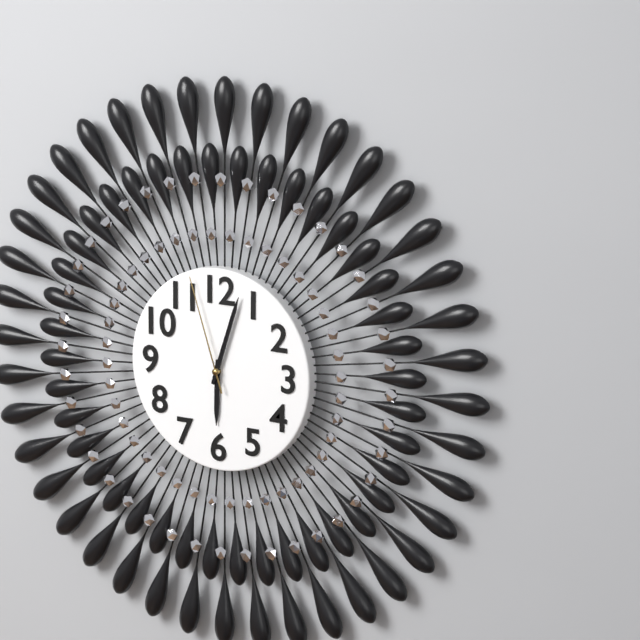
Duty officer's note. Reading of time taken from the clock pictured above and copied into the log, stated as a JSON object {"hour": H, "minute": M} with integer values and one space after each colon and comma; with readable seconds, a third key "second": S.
{"hour": 6, "minute": 3, "second": 57}
